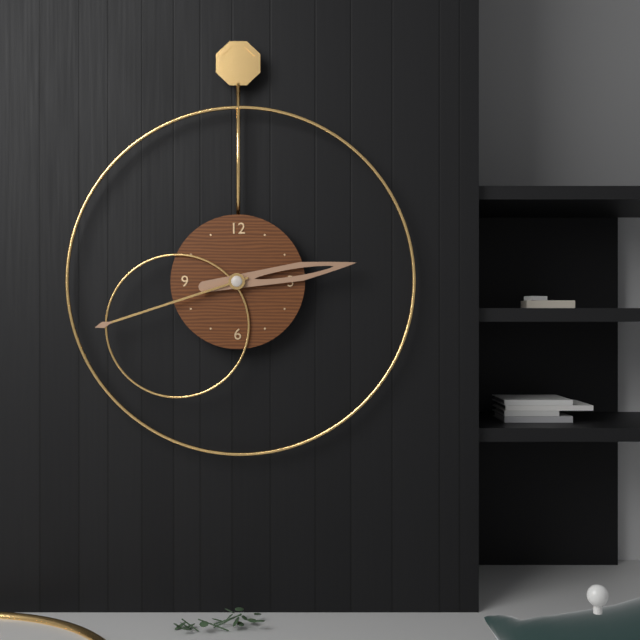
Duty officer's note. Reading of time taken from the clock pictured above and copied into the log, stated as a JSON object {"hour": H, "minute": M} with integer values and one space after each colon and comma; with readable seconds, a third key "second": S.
{"hour": 2, "minute": 42}
